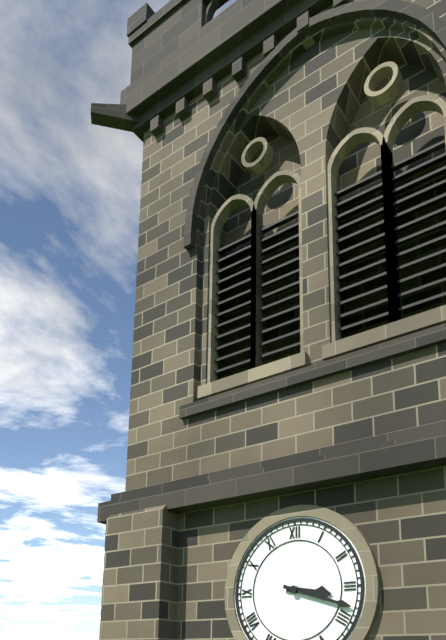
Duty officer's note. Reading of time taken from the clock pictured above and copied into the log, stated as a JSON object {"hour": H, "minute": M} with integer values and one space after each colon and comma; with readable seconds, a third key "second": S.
{"hour": 3, "minute": 18}
